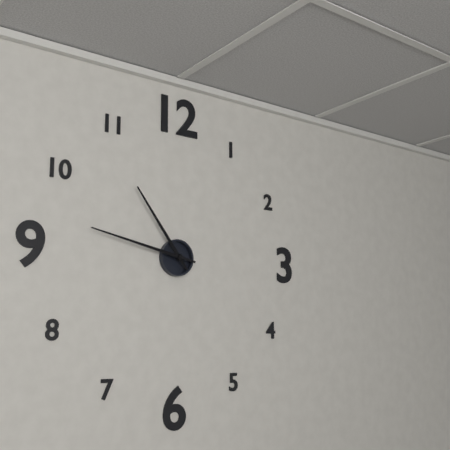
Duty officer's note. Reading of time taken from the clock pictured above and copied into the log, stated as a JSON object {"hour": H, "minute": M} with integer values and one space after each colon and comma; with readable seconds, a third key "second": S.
{"hour": 10, "minute": 47}
